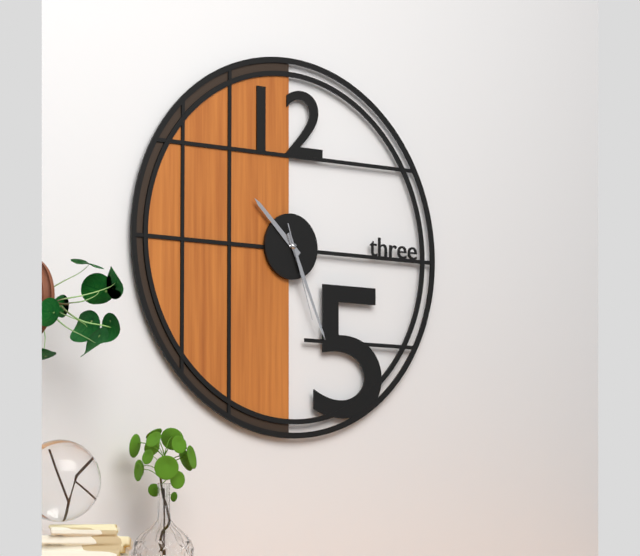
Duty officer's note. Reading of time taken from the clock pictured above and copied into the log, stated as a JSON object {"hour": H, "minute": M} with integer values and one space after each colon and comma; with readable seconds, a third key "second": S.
{"hour": 10, "minute": 26, "second": 27}
